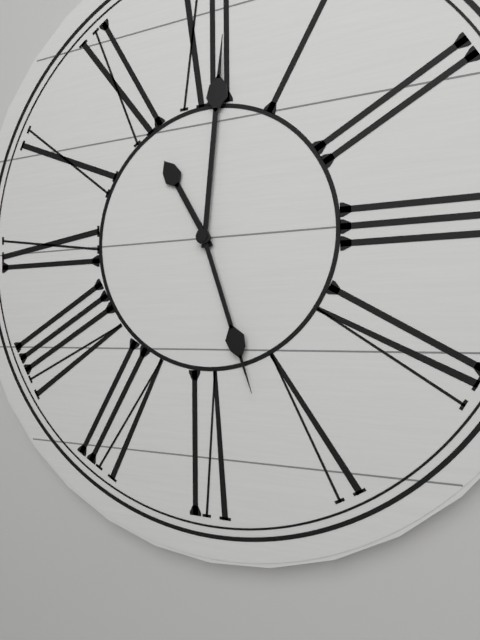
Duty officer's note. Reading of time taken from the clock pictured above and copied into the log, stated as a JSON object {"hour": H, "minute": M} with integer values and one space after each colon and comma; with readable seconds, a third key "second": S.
{"hour": 11, "minute": 1, "second": 27}
